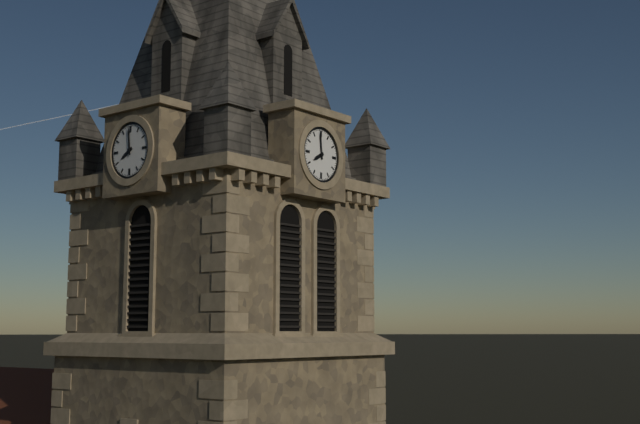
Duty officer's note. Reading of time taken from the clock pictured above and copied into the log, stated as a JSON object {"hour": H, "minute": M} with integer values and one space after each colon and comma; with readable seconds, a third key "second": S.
{"hour": 7, "minute": 59}
